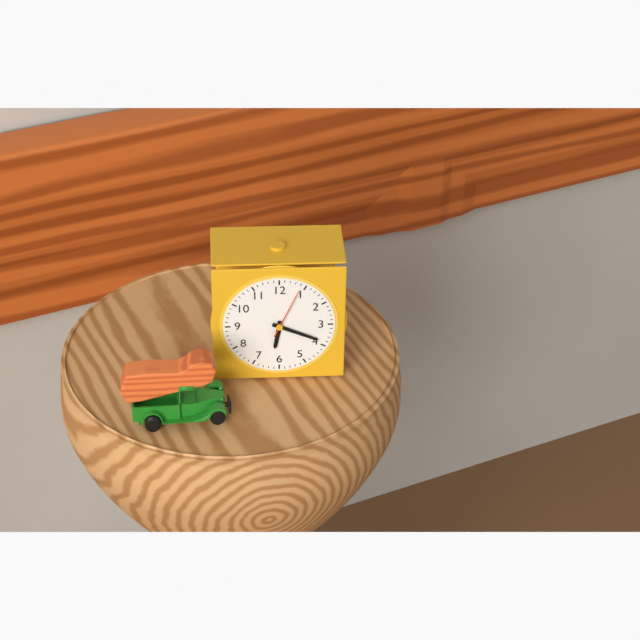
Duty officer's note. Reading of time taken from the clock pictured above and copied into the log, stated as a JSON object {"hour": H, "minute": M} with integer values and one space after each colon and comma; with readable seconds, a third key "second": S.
{"hour": 6, "minute": 19, "second": 4}
